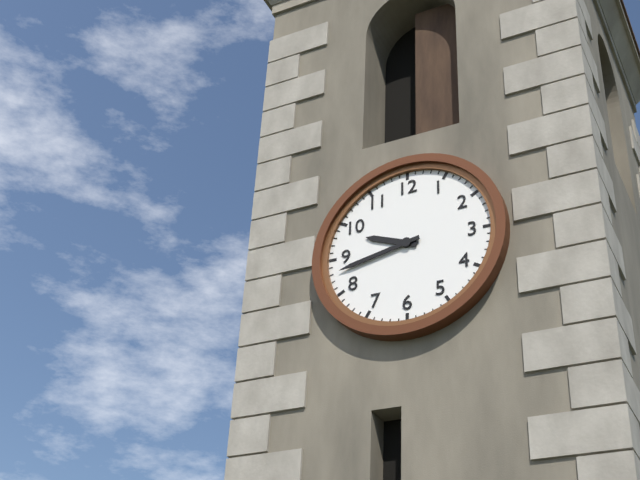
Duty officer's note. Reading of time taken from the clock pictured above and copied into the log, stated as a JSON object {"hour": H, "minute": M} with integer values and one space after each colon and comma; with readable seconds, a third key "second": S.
{"hour": 9, "minute": 43}
